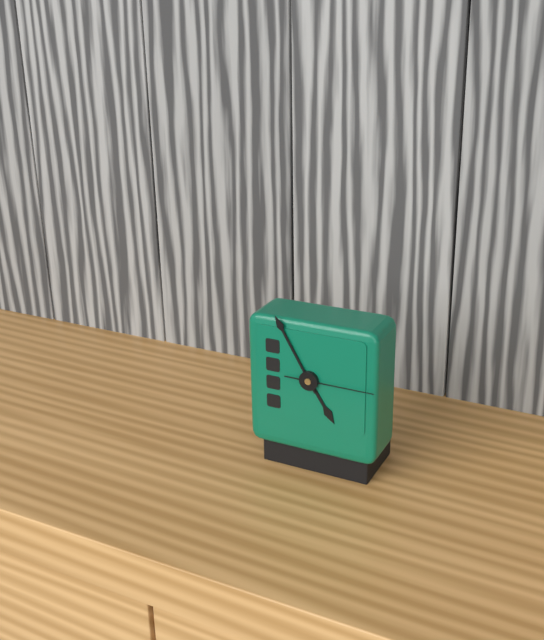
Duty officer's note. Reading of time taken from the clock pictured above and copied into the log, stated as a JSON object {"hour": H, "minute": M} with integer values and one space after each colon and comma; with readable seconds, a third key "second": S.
{"hour": 4, "minute": 55, "second": 15}
